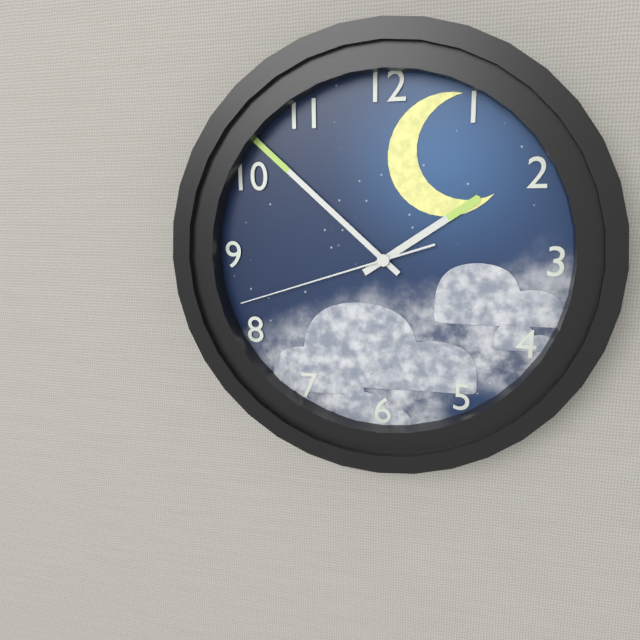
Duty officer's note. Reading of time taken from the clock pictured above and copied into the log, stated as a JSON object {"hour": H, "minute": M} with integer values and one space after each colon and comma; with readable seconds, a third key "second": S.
{"hour": 1, "minute": 52, "second": 42}
